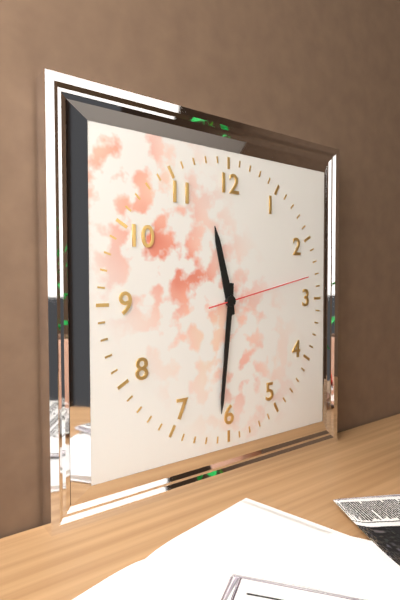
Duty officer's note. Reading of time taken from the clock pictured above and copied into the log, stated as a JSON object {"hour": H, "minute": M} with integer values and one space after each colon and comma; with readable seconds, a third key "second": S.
{"hour": 11, "minute": 31, "second": 13}
